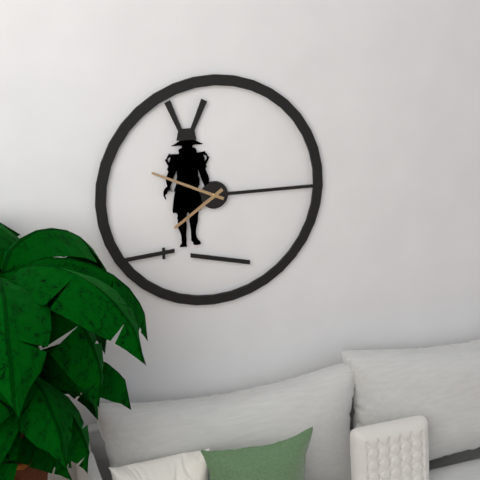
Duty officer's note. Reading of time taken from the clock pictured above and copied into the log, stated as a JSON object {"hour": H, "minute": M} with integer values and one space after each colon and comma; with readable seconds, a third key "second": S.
{"hour": 7, "minute": 49}
